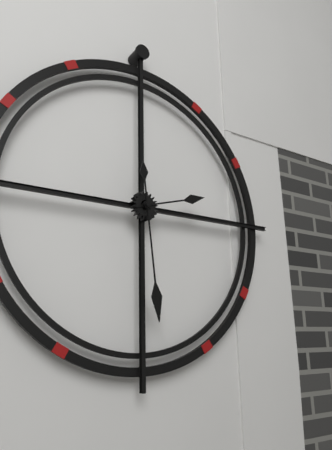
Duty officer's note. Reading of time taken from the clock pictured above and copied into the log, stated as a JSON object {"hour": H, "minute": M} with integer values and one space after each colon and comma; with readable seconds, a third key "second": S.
{"hour": 2, "minute": 29}
